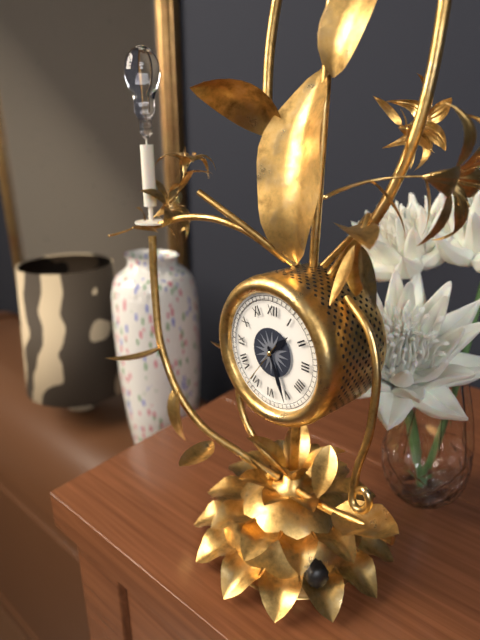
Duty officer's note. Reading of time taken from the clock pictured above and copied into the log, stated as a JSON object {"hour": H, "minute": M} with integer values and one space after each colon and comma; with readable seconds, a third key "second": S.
{"hour": 1, "minute": 26}
